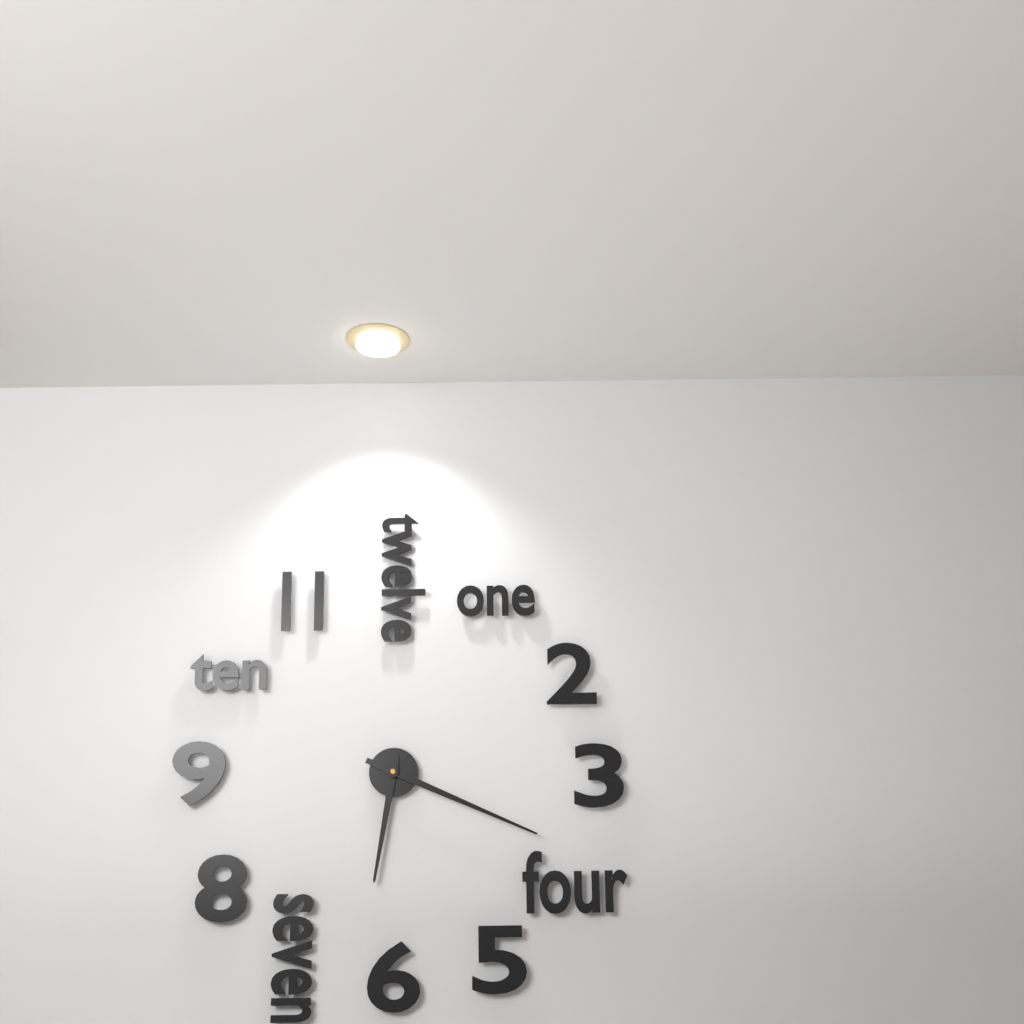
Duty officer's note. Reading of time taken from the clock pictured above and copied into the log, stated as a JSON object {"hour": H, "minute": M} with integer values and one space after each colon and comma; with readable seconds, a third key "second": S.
{"hour": 6, "minute": 19}
